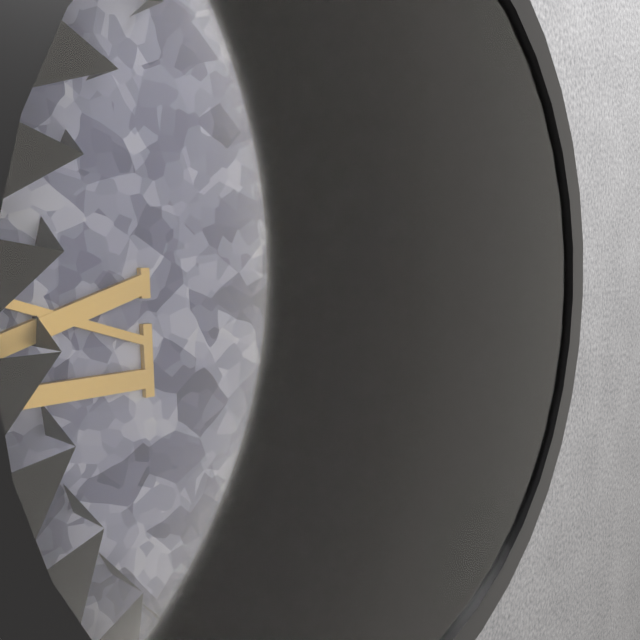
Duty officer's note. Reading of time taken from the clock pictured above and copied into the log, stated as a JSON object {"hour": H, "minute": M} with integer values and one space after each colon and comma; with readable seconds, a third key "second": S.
{"hour": 12, "minute": 30}
